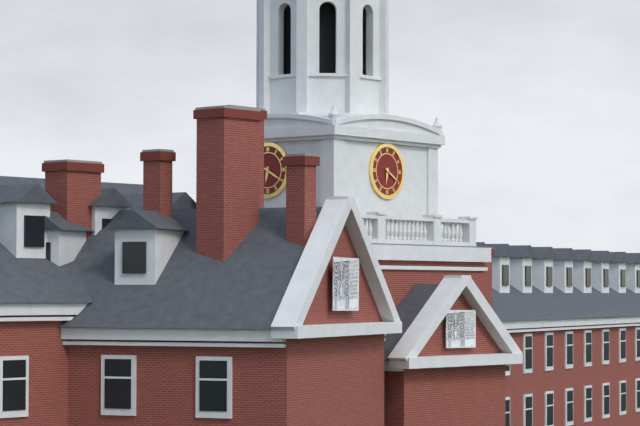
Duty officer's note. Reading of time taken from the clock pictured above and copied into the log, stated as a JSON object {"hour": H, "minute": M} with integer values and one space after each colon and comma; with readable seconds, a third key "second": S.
{"hour": 6, "minute": 20}
